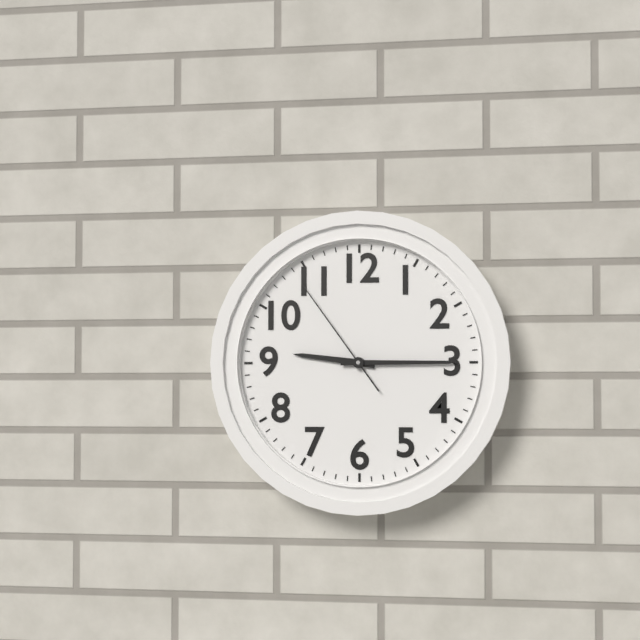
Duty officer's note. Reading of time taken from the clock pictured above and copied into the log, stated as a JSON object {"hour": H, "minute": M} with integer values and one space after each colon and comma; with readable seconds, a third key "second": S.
{"hour": 9, "minute": 15, "second": 54}
